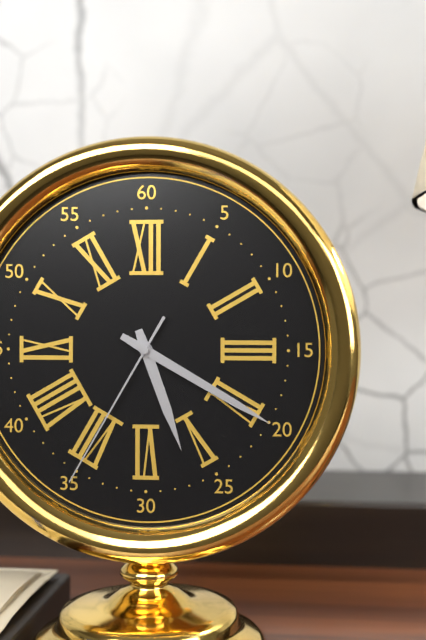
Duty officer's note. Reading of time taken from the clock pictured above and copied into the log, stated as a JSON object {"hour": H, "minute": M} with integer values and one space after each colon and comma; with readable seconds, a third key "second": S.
{"hour": 5, "minute": 20, "second": 35}
